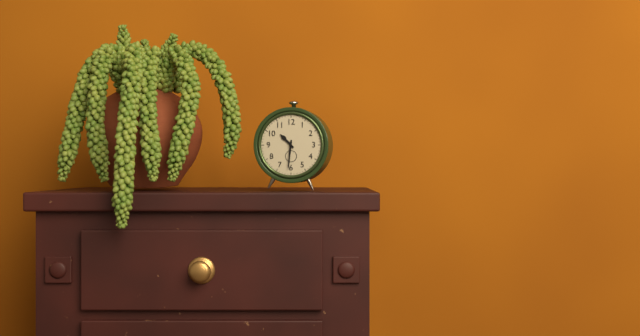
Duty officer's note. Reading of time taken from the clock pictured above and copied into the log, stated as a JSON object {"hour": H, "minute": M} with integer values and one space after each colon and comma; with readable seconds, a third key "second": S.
{"hour": 10, "minute": 31}
